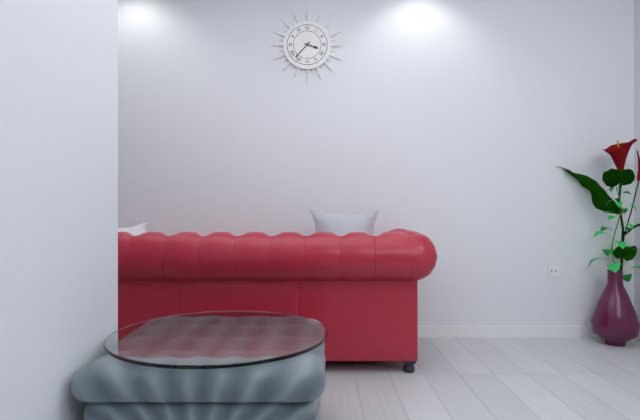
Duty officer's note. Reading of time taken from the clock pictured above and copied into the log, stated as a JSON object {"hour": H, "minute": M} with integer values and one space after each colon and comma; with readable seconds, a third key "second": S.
{"hour": 3, "minute": 37}
